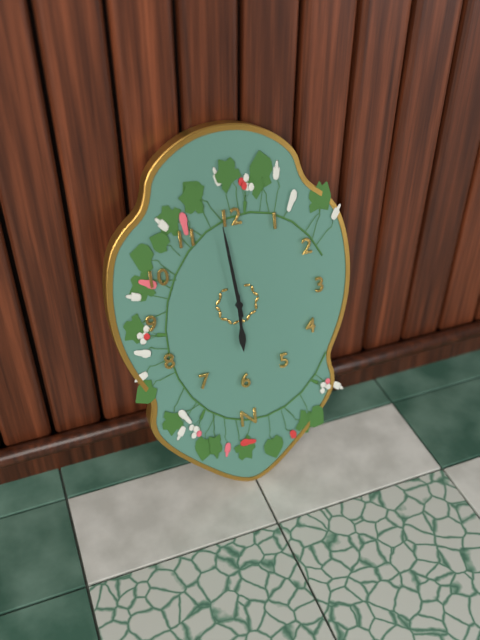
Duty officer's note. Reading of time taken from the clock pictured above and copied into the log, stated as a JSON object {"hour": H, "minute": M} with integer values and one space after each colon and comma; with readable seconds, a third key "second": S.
{"hour": 5, "minute": 59}
